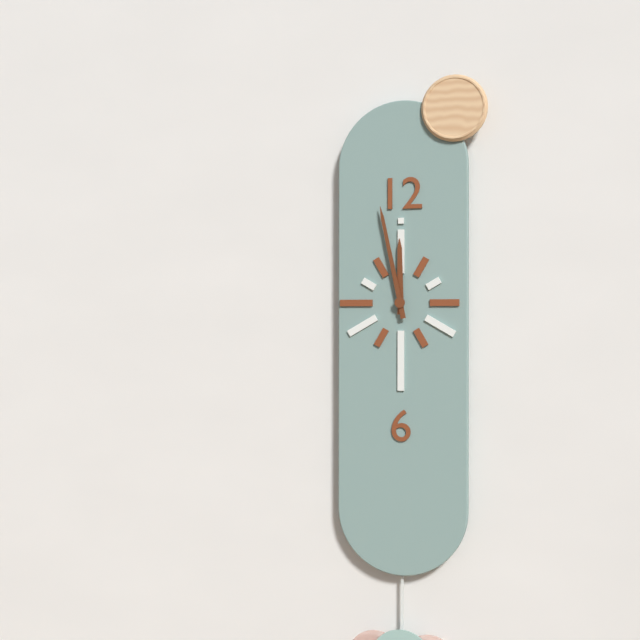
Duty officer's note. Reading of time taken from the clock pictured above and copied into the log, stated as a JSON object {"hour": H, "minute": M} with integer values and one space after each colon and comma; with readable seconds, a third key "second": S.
{"hour": 11, "minute": 58}
